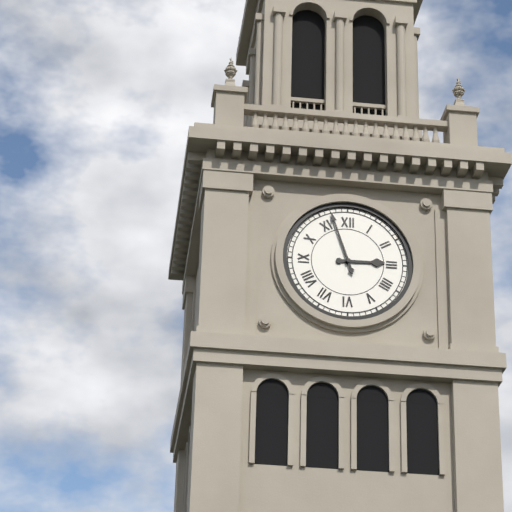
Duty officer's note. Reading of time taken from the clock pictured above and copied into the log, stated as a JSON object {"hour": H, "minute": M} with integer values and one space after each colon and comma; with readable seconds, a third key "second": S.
{"hour": 2, "minute": 57}
